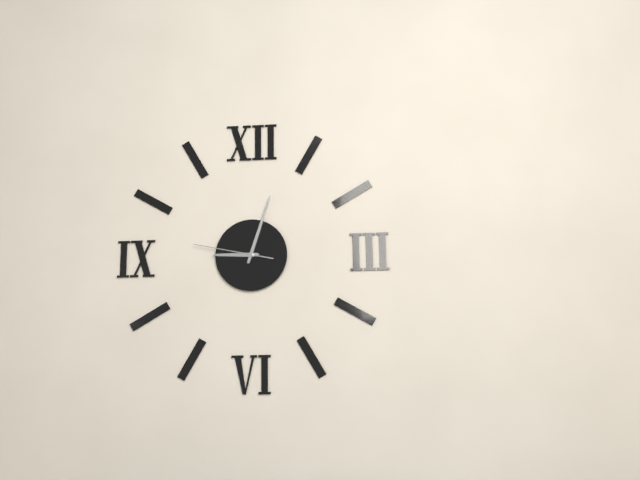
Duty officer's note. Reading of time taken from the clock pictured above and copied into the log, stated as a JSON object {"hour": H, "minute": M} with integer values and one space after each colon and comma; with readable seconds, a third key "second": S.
{"hour": 9, "minute": 3, "second": 47}
